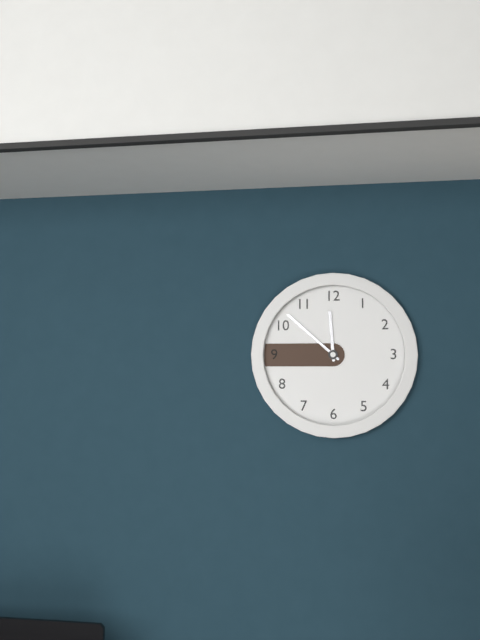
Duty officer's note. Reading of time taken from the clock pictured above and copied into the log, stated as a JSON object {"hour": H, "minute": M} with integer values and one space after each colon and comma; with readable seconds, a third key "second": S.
{"hour": 11, "minute": 52}
